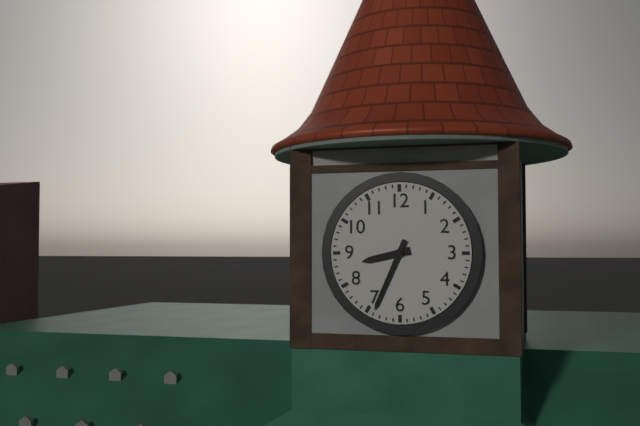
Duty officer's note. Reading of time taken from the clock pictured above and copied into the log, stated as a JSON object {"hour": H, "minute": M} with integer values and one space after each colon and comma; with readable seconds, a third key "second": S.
{"hour": 8, "minute": 34}
